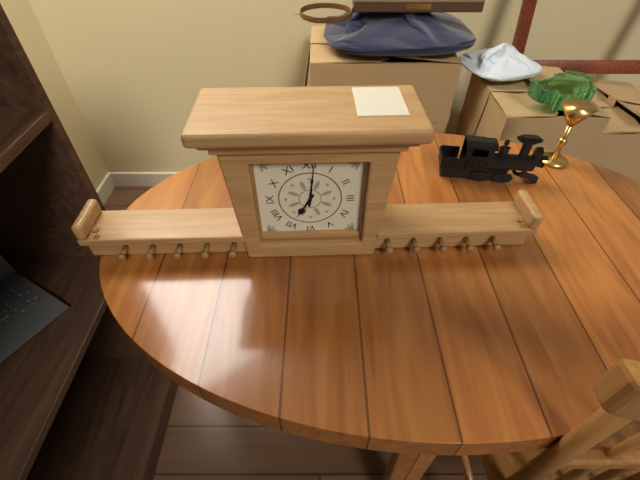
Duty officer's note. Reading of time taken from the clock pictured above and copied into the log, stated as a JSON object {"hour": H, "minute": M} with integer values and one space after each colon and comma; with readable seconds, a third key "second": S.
{"hour": 7, "minute": 1}
